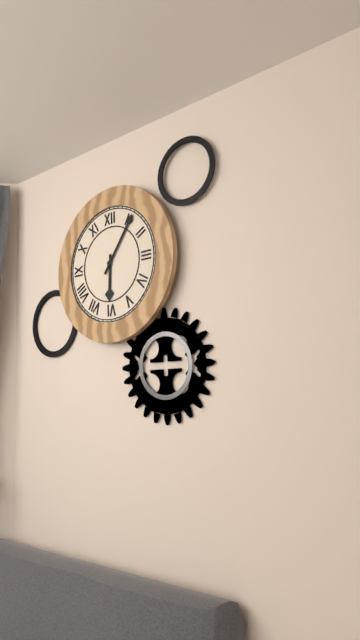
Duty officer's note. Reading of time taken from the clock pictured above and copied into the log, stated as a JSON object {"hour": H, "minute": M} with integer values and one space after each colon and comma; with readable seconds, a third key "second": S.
{"hour": 6, "minute": 6}
